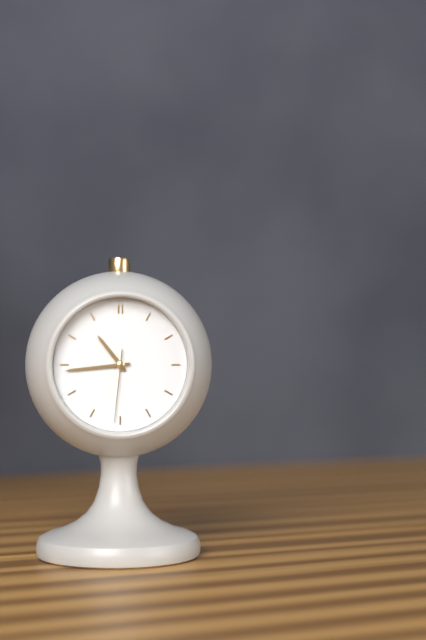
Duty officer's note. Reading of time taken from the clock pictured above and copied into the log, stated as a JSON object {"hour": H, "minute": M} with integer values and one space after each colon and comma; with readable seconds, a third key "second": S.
{"hour": 10, "minute": 44, "second": 31}
